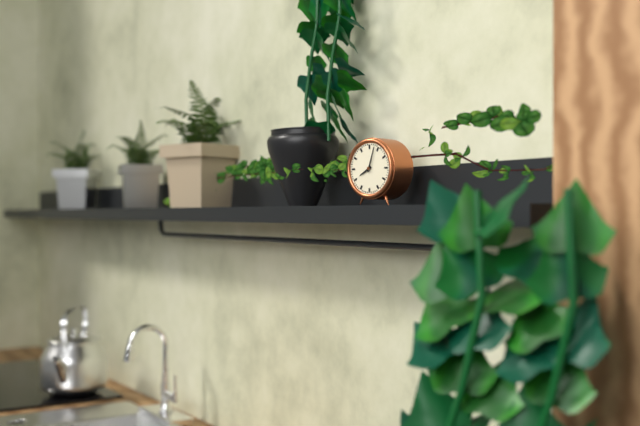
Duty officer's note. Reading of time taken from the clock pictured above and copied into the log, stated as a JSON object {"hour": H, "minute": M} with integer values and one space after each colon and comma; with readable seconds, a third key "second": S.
{"hour": 8, "minute": 3}
